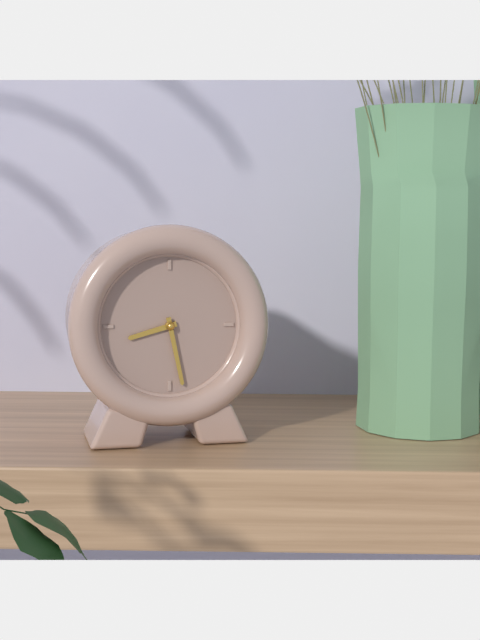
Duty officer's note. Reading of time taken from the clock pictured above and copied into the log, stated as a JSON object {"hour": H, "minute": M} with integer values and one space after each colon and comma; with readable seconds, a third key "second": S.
{"hour": 8, "minute": 28}
